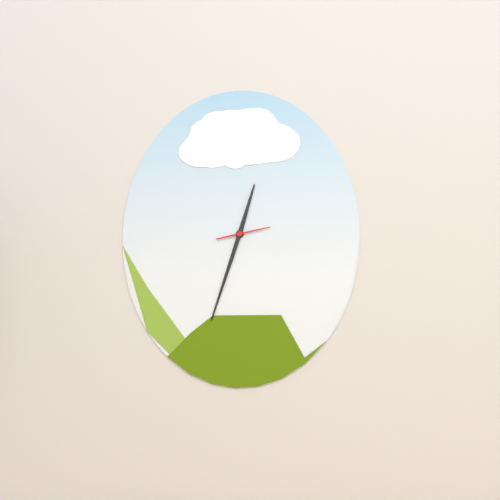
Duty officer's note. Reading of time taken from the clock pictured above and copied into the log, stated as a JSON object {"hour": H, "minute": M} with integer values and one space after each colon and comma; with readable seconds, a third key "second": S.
{"hour": 12, "minute": 33}
